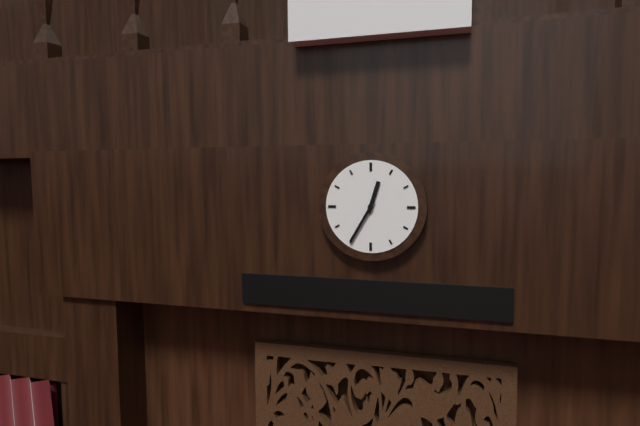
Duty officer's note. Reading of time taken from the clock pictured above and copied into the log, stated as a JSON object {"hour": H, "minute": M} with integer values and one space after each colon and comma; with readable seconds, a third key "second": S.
{"hour": 12, "minute": 35}
